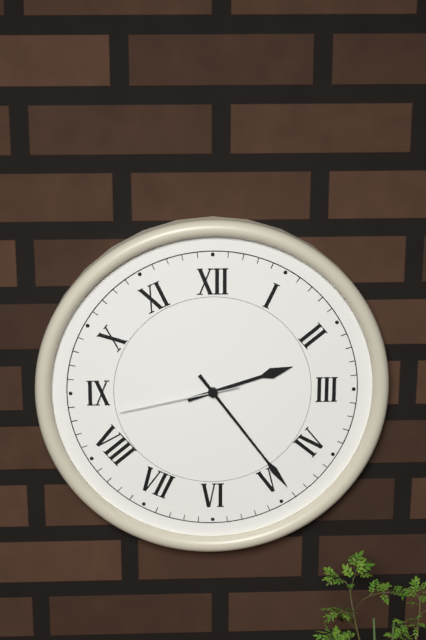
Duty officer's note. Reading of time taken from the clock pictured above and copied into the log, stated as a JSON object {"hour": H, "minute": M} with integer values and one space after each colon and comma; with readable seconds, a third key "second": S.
{"hour": 2, "minute": 24, "second": 43}
